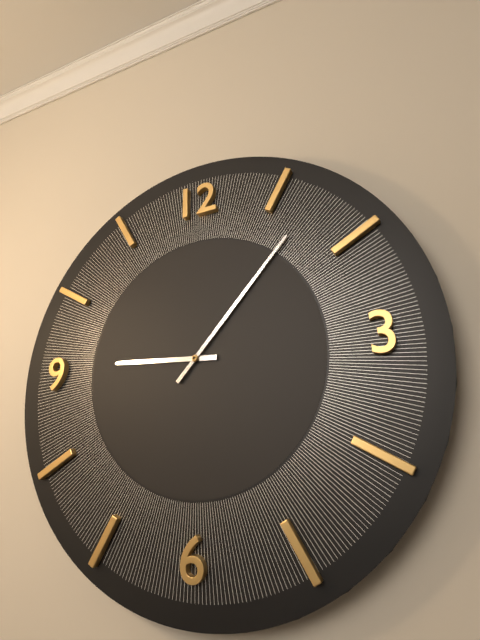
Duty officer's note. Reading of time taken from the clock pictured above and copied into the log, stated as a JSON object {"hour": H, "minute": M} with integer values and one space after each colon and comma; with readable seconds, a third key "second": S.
{"hour": 9, "minute": 7}
